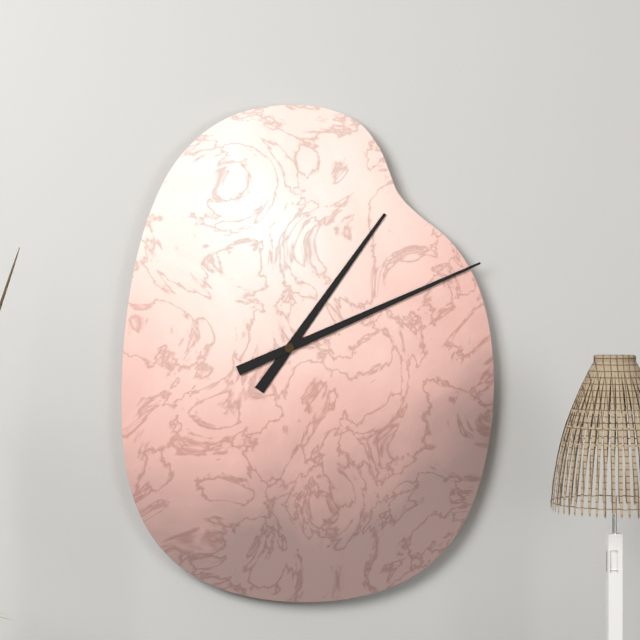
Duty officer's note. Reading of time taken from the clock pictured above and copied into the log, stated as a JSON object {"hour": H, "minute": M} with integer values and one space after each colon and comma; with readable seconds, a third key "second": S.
{"hour": 1, "minute": 11}
